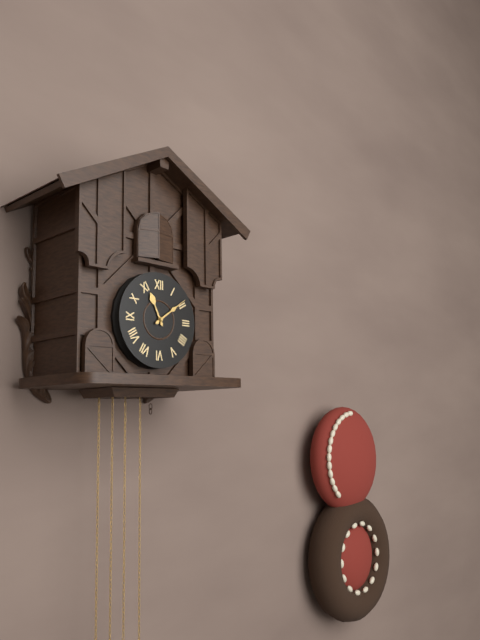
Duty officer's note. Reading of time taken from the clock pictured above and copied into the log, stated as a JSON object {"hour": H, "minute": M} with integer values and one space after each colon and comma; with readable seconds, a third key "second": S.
{"hour": 11, "minute": 9}
